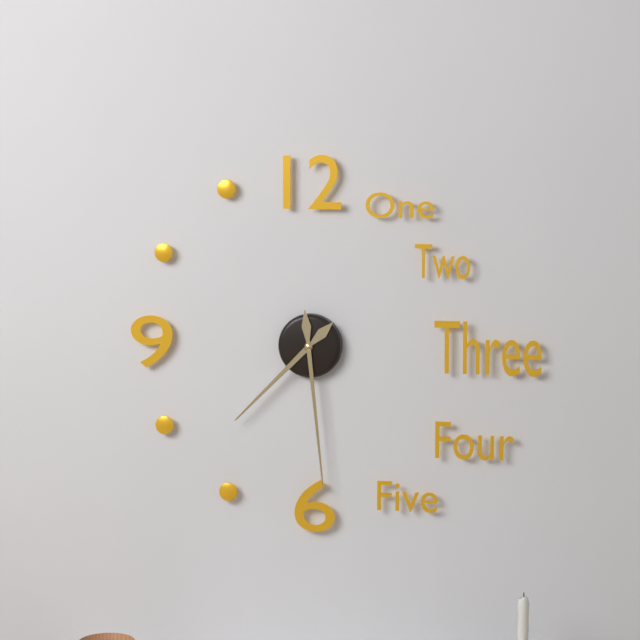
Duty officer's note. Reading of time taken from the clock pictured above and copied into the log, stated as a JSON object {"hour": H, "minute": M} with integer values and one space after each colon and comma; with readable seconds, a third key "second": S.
{"hour": 7, "minute": 29}
